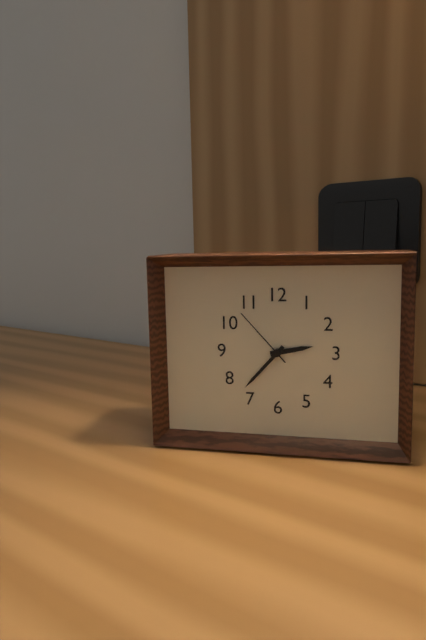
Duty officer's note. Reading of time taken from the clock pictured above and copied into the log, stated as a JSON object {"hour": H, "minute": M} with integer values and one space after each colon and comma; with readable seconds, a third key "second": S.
{"hour": 2, "minute": 37, "second": 53}
